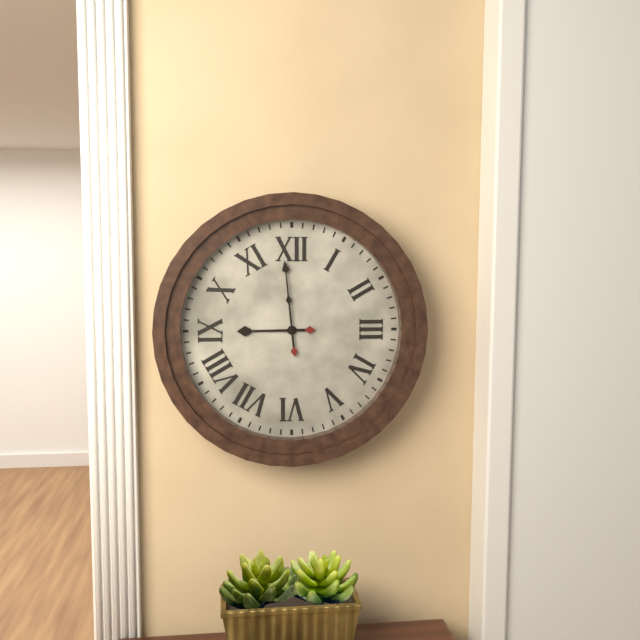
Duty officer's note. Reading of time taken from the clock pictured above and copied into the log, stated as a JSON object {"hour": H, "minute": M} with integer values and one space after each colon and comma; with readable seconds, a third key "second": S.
{"hour": 8, "minute": 59}
